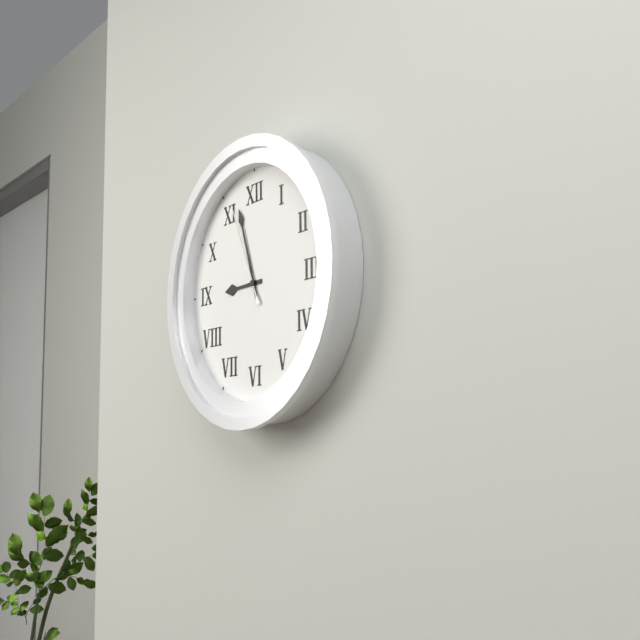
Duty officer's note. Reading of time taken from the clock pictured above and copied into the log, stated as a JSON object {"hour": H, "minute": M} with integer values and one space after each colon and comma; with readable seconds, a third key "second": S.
{"hour": 8, "minute": 57, "second": 56}
